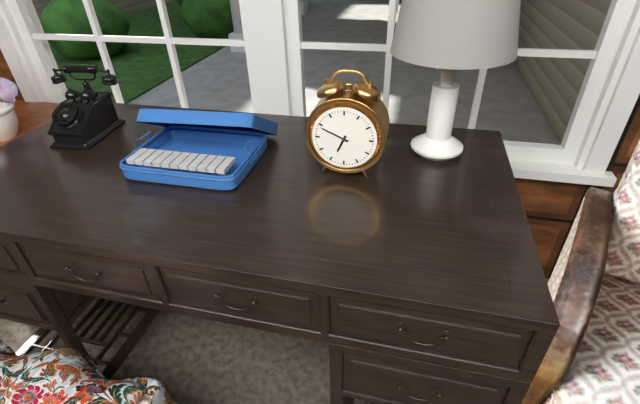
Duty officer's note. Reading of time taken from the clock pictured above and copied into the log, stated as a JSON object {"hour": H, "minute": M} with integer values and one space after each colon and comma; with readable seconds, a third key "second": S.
{"hour": 6, "minute": 49}
